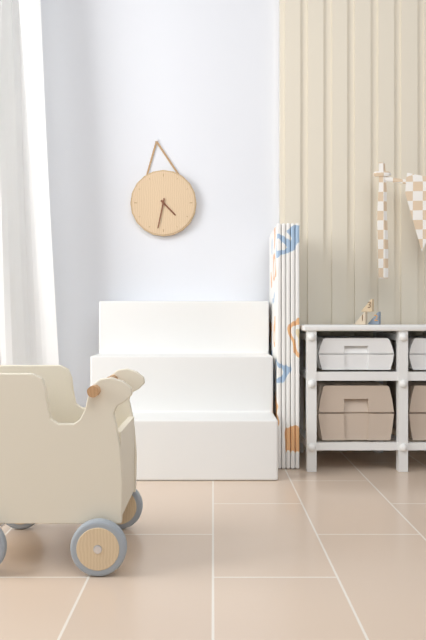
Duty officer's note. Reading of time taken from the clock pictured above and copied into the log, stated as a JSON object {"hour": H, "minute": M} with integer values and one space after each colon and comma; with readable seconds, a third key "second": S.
{"hour": 4, "minute": 32}
